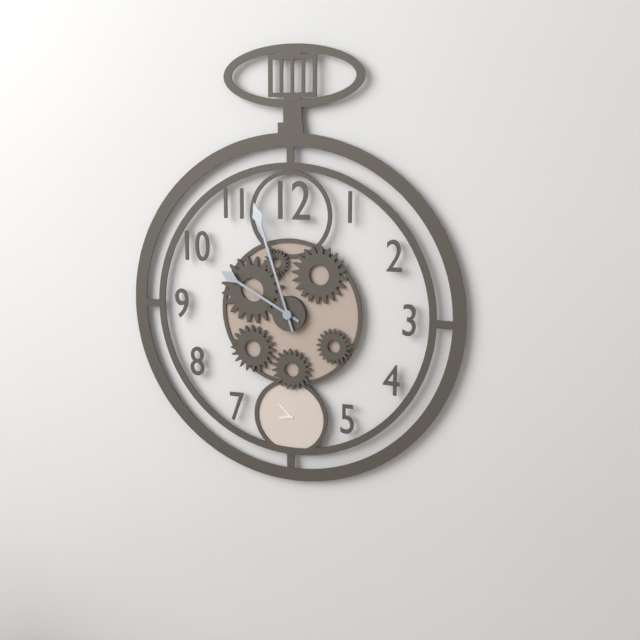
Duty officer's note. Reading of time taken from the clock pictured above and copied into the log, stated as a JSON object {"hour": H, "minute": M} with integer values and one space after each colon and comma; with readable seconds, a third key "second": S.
{"hour": 9, "minute": 57}
